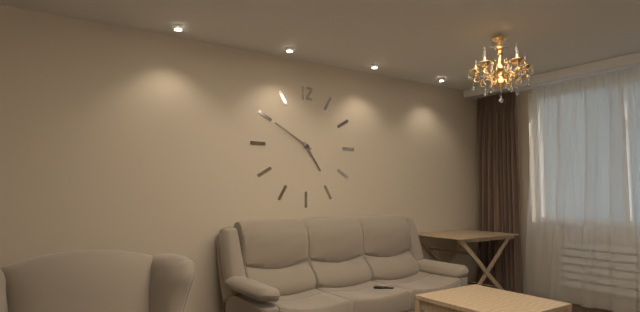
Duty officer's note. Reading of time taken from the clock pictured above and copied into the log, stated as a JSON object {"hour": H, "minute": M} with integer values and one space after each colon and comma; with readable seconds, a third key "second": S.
{"hour": 4, "minute": 50}
